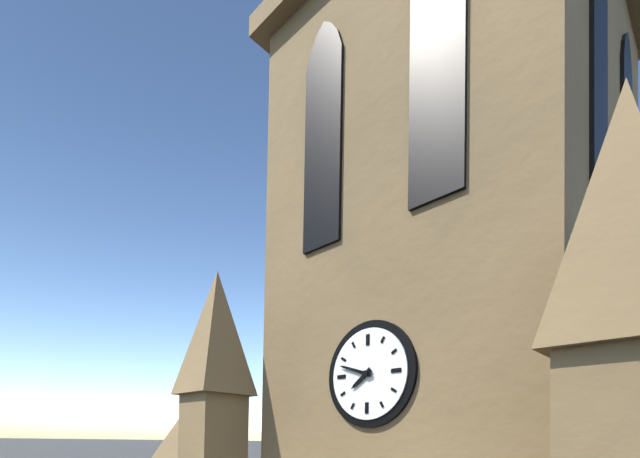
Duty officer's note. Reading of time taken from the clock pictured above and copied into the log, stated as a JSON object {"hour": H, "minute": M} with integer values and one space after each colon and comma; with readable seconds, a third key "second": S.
{"hour": 7, "minute": 48}
